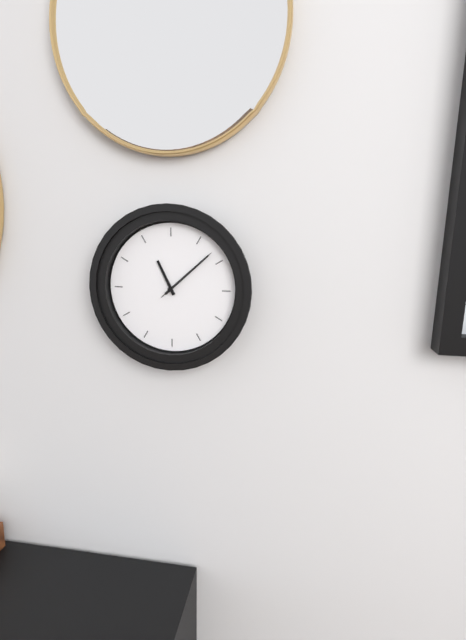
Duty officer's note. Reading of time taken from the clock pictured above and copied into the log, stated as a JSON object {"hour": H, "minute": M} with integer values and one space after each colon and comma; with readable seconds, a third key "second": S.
{"hour": 11, "minute": 8, "second": 8}
